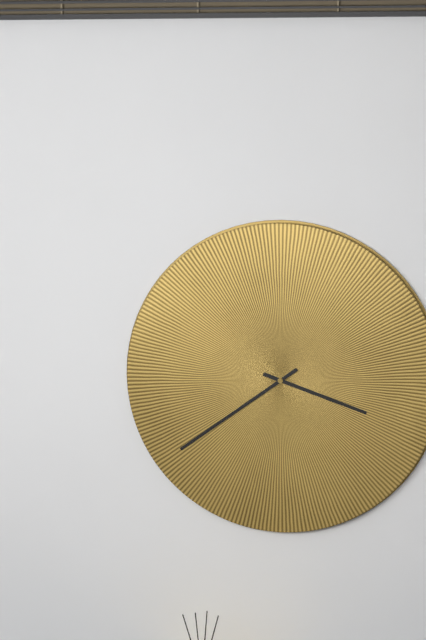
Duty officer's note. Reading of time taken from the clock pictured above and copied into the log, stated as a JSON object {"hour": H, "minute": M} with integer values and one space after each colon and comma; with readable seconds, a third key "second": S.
{"hour": 3, "minute": 39}
